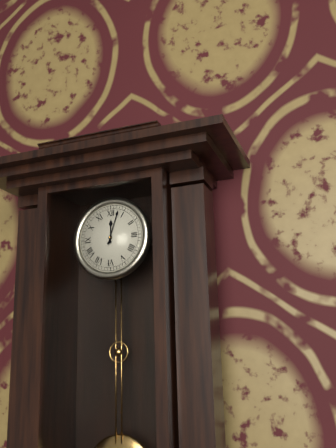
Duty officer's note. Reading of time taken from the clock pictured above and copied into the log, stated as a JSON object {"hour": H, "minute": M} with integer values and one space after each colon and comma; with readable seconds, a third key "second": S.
{"hour": 12, "minute": 3}
